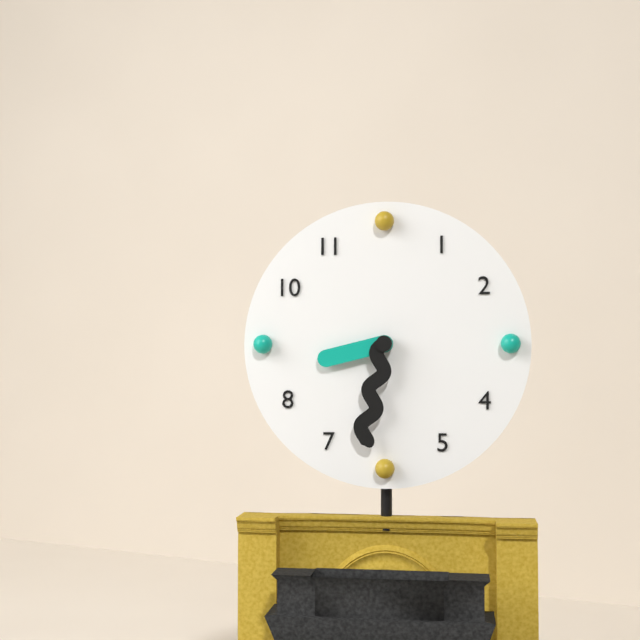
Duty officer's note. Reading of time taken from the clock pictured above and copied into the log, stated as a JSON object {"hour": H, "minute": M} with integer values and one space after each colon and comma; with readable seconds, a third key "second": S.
{"hour": 8, "minute": 32}
